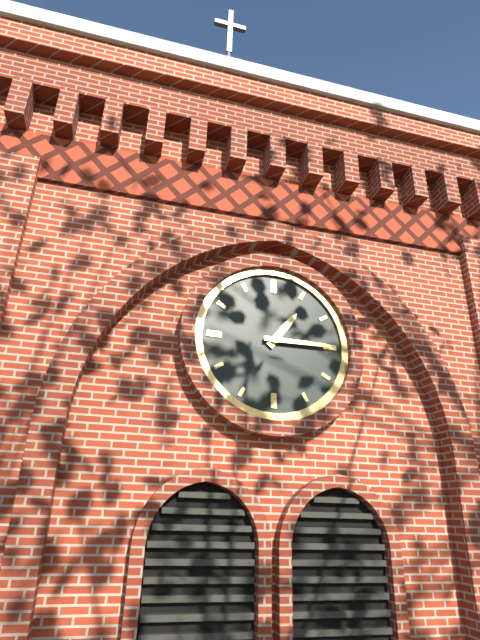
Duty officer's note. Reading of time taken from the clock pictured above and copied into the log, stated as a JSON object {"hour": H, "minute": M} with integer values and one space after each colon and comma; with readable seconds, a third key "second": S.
{"hour": 1, "minute": 15}
